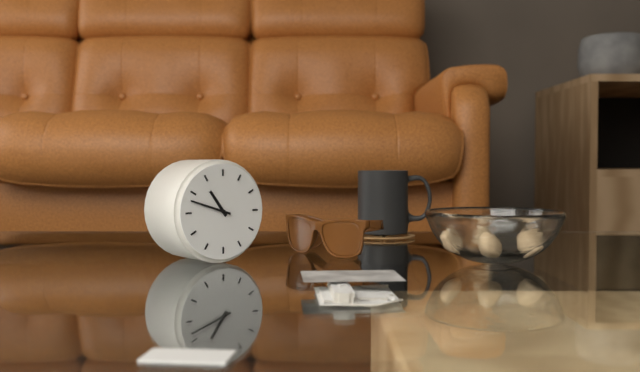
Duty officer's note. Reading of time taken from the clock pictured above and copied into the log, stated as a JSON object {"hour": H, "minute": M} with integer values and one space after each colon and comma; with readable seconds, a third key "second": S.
{"hour": 10, "minute": 48}
